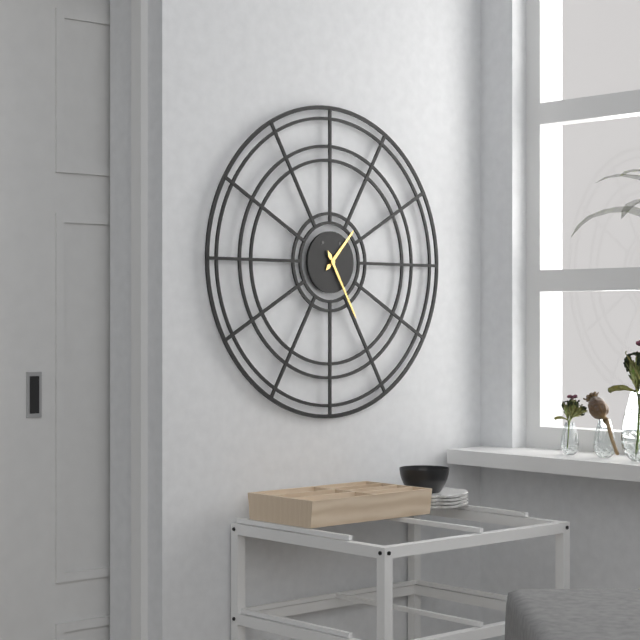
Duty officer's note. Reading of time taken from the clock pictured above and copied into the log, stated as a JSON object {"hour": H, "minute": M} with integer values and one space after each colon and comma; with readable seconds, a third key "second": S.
{"hour": 1, "minute": 25}
